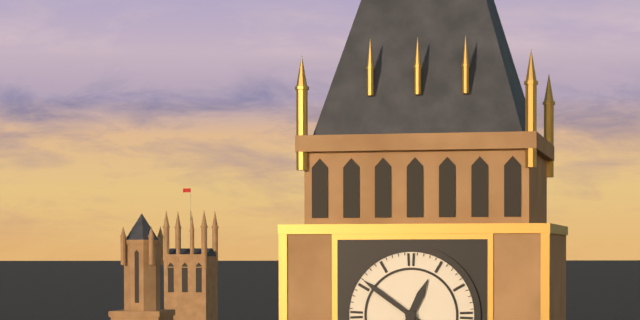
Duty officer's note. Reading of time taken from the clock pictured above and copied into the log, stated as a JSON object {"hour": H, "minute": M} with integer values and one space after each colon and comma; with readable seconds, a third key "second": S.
{"hour": 12, "minute": 51}
